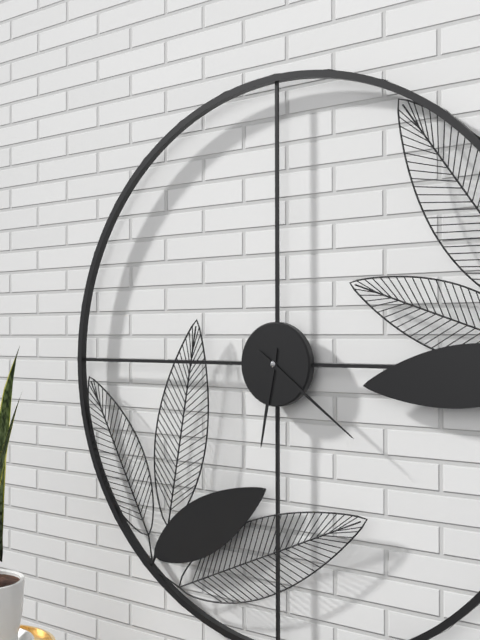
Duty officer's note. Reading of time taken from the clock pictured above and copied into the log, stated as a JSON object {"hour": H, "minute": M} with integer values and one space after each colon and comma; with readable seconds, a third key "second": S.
{"hour": 6, "minute": 21}
